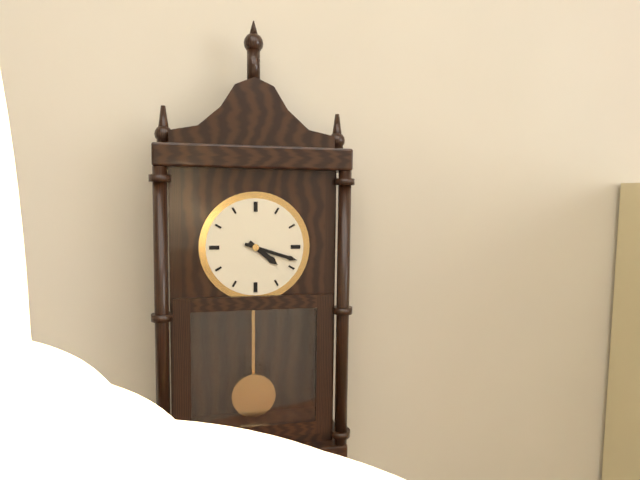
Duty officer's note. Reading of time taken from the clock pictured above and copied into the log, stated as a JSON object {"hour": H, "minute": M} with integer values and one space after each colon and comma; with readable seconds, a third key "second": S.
{"hour": 4, "minute": 18}
